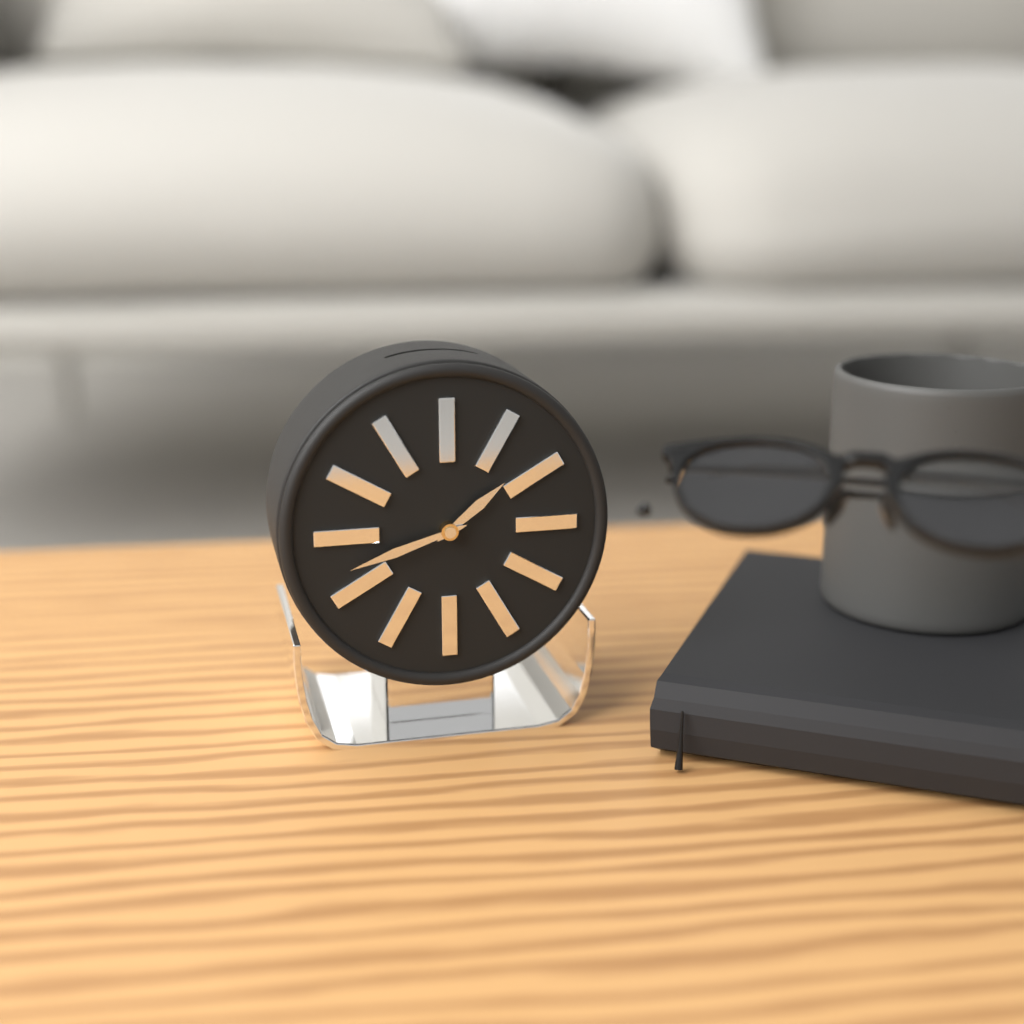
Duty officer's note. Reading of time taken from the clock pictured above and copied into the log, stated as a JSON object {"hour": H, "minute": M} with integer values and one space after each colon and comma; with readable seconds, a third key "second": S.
{"hour": 1, "minute": 42}
